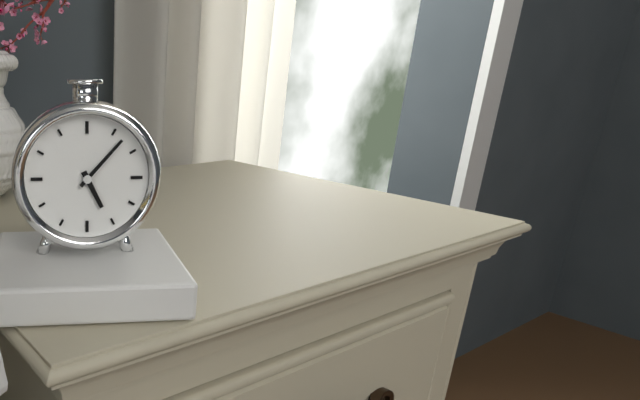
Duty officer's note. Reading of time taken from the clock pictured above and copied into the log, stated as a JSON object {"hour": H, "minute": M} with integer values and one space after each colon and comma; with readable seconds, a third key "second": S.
{"hour": 5, "minute": 7}
